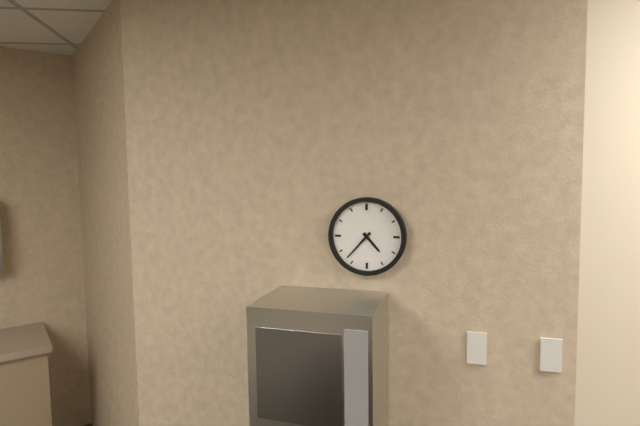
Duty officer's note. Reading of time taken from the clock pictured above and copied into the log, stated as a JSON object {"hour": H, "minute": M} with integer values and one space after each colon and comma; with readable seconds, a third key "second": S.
{"hour": 4, "minute": 37}
